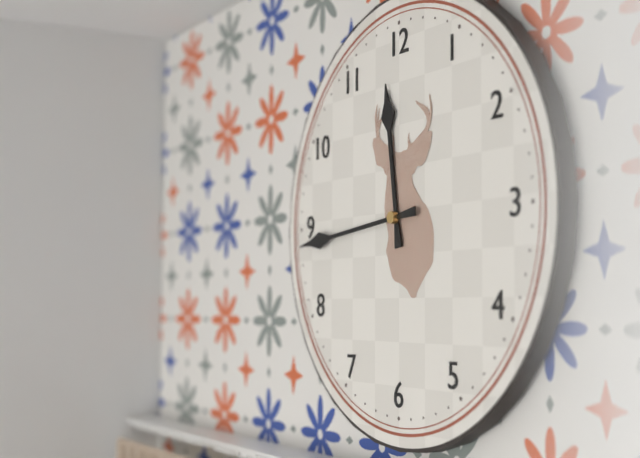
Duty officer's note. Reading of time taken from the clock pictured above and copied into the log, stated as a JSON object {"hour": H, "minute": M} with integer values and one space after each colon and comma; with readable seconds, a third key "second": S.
{"hour": 11, "minute": 44}
